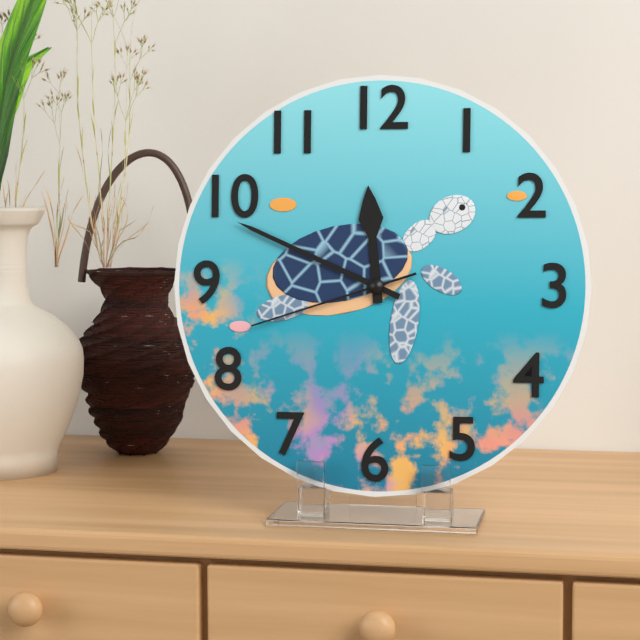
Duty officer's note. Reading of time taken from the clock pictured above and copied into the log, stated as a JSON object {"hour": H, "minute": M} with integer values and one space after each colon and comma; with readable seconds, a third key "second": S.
{"hour": 11, "minute": 49, "second": 42}
